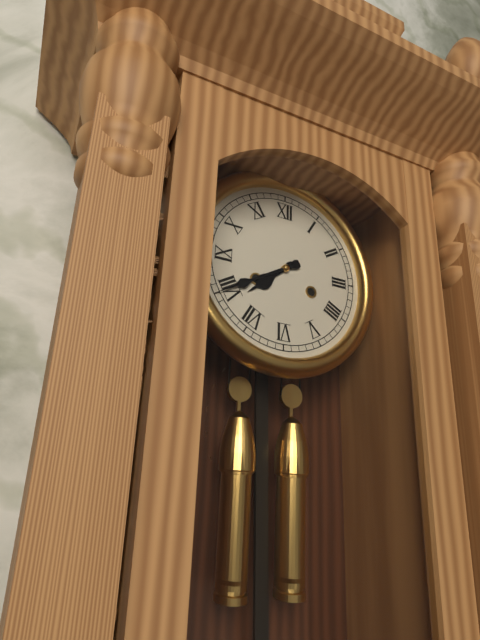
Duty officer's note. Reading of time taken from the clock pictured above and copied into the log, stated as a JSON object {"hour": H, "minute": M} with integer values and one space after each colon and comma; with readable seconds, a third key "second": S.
{"hour": 7, "minute": 40}
